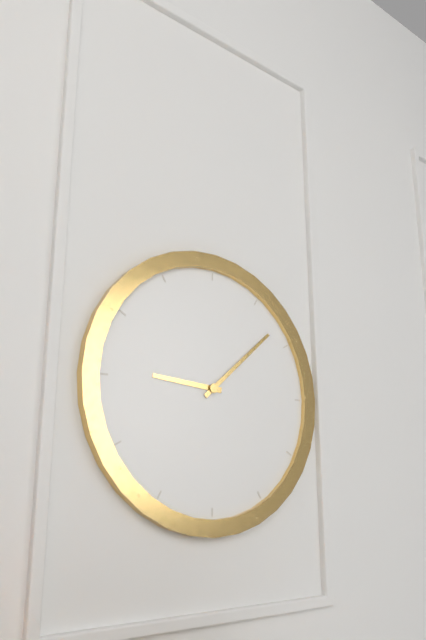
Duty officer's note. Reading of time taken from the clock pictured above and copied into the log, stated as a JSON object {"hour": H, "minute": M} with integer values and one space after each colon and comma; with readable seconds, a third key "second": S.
{"hour": 9, "minute": 8}
